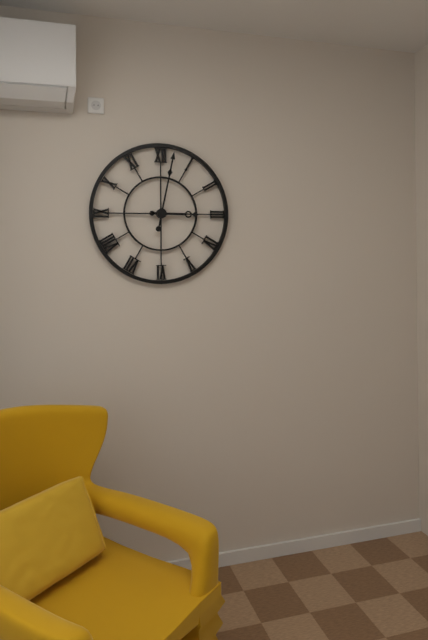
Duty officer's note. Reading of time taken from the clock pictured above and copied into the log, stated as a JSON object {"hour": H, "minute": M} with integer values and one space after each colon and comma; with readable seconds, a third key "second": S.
{"hour": 3, "minute": 2}
